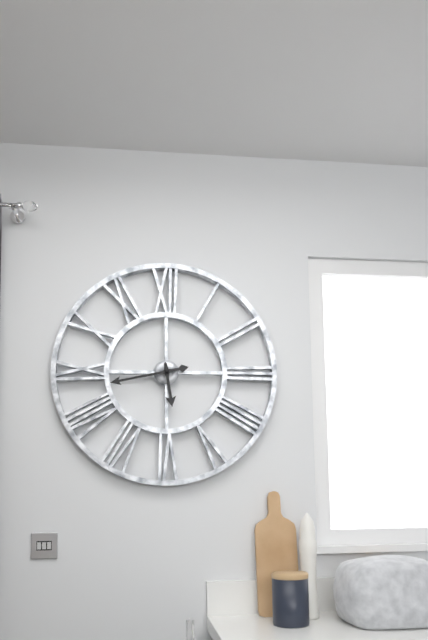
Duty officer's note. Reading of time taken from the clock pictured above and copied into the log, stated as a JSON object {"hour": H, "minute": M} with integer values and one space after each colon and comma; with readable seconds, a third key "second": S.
{"hour": 5, "minute": 43}
